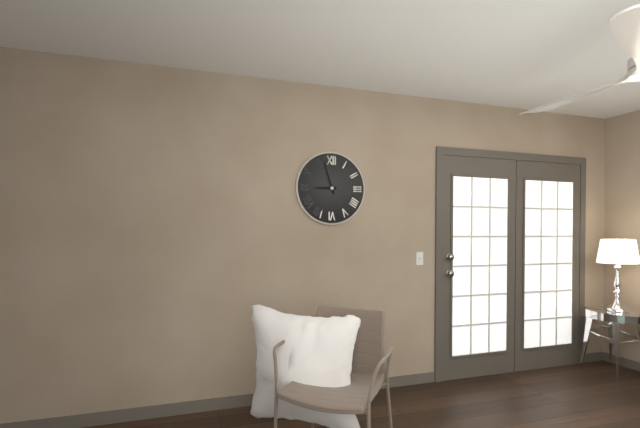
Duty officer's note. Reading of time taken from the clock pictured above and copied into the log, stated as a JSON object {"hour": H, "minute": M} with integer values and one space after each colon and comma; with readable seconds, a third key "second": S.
{"hour": 8, "minute": 57}
